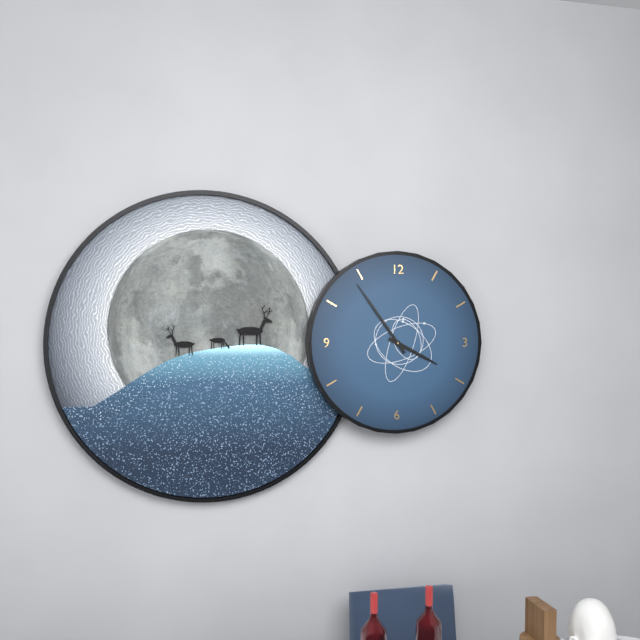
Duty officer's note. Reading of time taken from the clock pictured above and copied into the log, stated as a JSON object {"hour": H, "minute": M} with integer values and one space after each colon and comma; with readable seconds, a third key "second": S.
{"hour": 3, "minute": 54}
